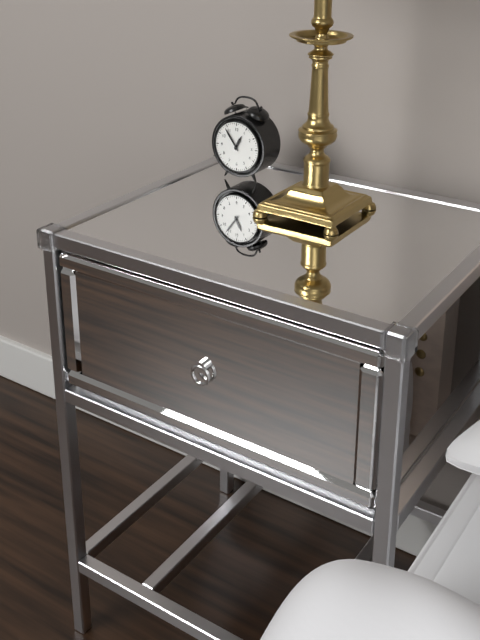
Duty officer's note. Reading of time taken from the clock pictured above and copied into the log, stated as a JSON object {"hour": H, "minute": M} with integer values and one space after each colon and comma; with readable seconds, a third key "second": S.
{"hour": 12, "minute": 54}
